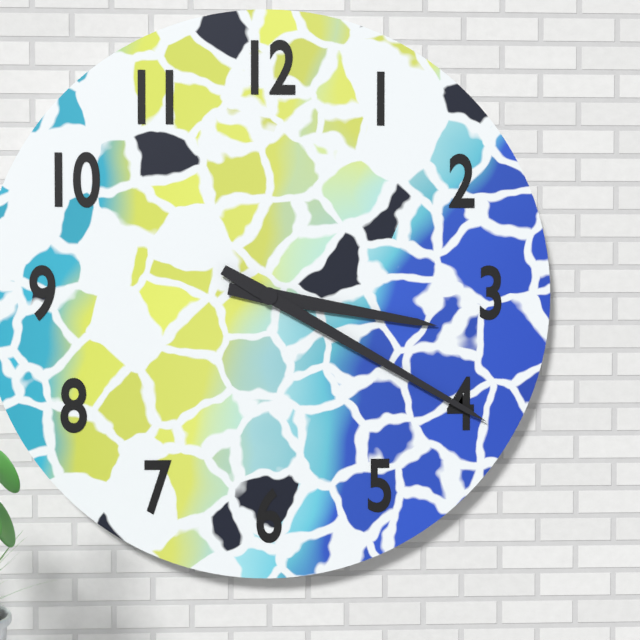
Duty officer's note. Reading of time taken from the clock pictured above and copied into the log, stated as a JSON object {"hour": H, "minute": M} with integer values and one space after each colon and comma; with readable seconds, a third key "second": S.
{"hour": 3, "minute": 20}
